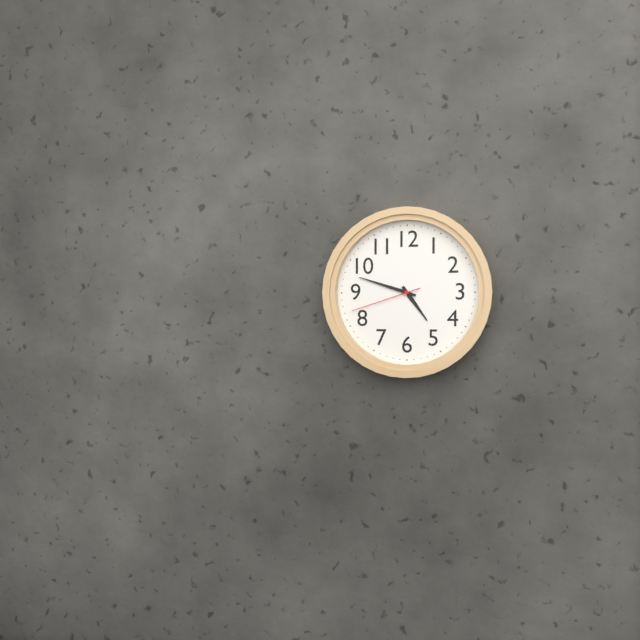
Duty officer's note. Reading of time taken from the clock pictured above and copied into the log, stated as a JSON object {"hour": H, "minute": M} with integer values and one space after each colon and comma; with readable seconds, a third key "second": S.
{"hour": 4, "minute": 48, "second": 42}
